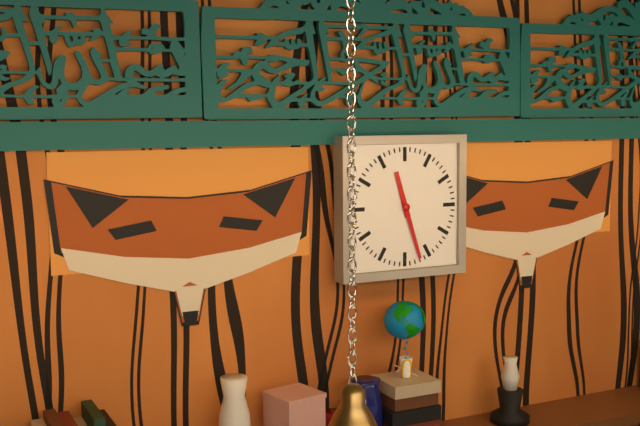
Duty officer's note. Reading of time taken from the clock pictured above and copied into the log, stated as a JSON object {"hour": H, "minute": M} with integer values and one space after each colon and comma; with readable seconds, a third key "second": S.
{"hour": 11, "minute": 27}
